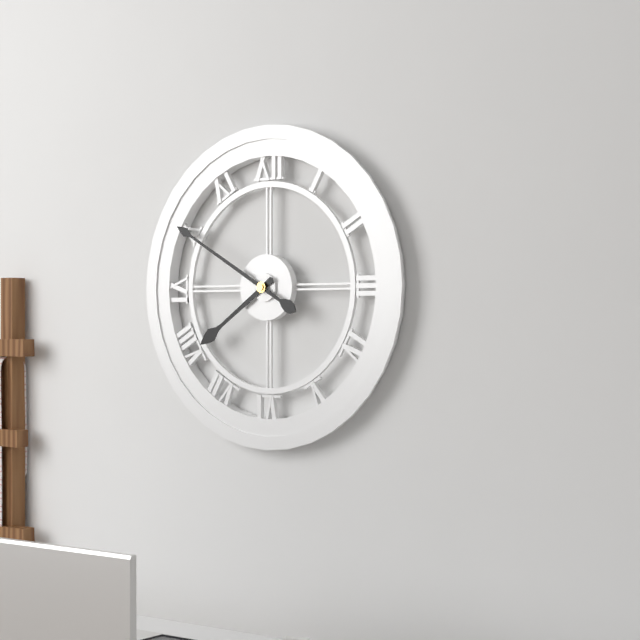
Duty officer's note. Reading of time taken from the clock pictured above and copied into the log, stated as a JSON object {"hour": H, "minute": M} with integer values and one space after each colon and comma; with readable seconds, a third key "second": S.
{"hour": 7, "minute": 50}
